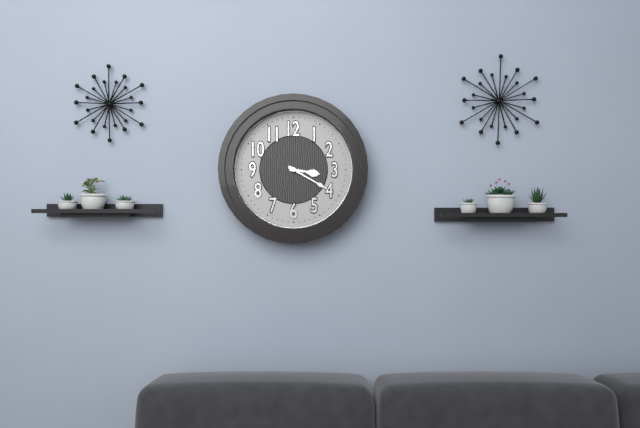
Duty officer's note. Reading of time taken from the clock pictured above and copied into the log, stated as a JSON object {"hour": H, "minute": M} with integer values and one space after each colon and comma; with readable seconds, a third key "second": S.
{"hour": 3, "minute": 20}
